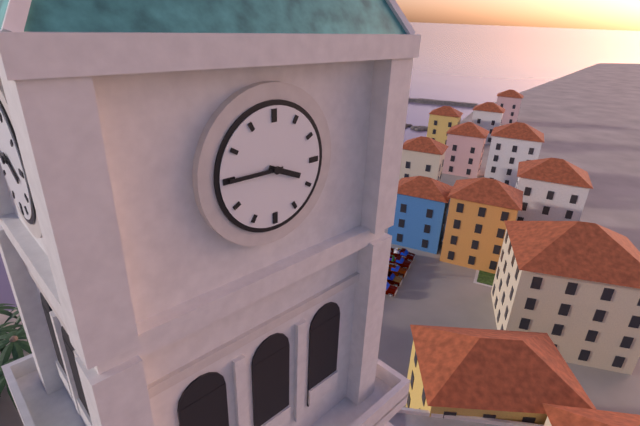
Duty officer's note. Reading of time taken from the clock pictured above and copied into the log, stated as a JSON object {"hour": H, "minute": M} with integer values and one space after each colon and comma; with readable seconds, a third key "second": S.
{"hour": 3, "minute": 45}
